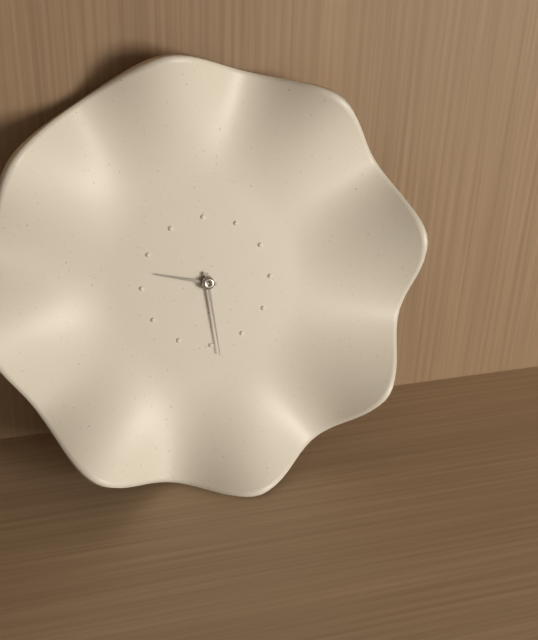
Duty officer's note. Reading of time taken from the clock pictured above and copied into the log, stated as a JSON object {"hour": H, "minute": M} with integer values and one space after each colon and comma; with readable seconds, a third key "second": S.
{"hour": 9, "minute": 29}
